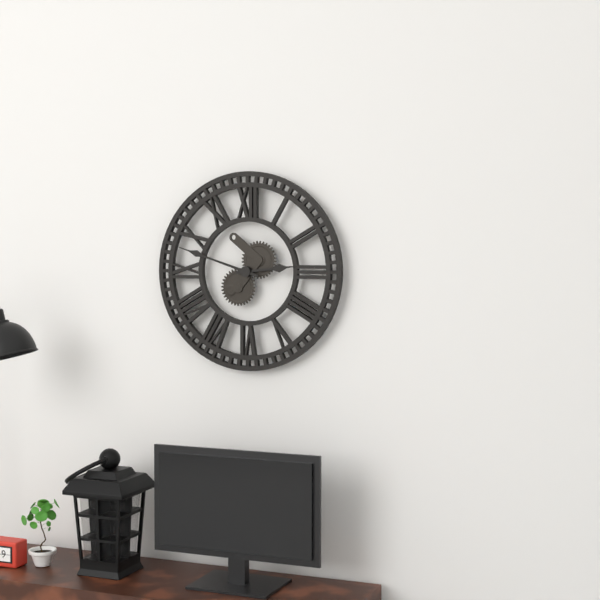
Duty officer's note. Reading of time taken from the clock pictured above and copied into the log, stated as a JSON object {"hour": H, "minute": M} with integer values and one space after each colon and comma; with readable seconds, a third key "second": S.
{"hour": 2, "minute": 48}
